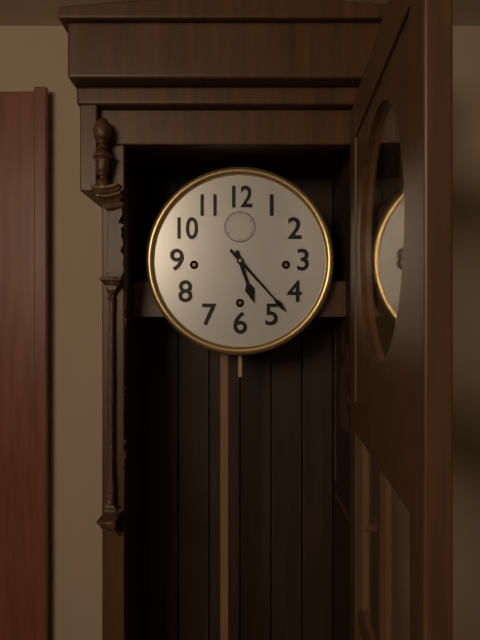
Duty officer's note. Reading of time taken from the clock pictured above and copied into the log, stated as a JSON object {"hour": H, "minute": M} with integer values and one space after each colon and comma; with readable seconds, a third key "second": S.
{"hour": 5, "minute": 23}
